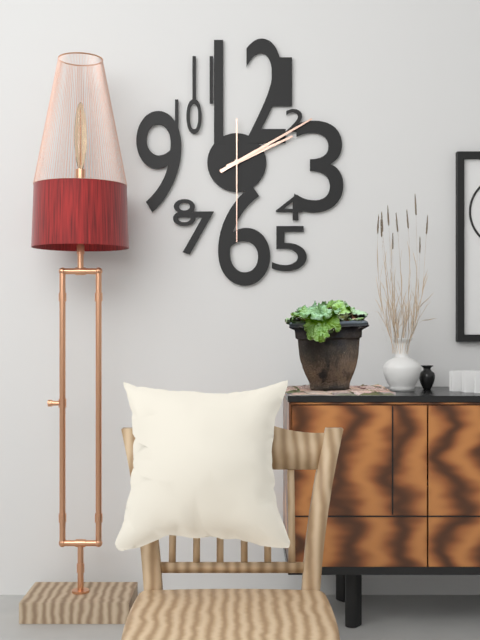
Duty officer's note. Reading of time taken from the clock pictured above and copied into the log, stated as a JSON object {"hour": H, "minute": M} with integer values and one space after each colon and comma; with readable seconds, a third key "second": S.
{"hour": 2, "minute": 10, "second": 30}
